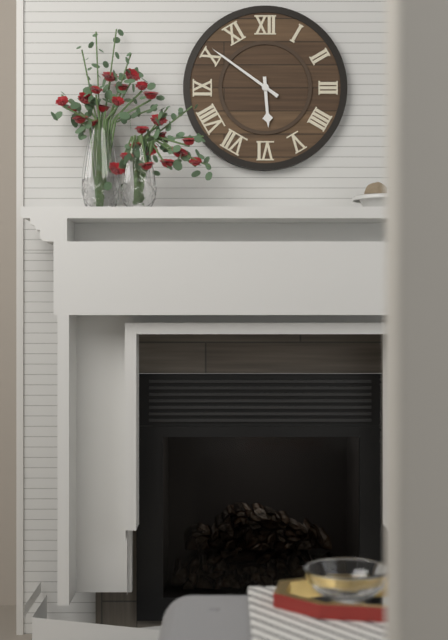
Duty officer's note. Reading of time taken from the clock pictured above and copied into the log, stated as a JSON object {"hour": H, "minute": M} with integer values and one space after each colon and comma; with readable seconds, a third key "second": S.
{"hour": 5, "minute": 51}
